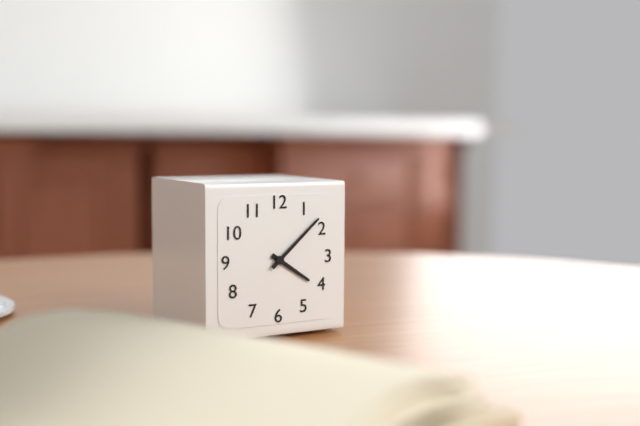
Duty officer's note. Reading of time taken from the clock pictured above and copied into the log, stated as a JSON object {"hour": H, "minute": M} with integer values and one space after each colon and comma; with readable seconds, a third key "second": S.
{"hour": 4, "minute": 8}
